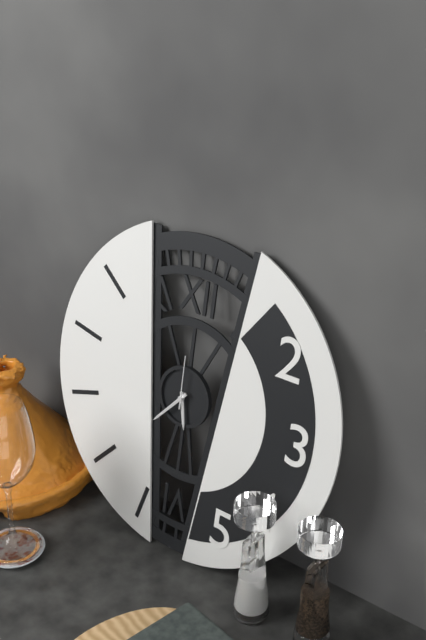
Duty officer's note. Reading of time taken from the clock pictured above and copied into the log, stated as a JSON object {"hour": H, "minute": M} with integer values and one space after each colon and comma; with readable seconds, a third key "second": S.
{"hour": 5, "minute": 37}
